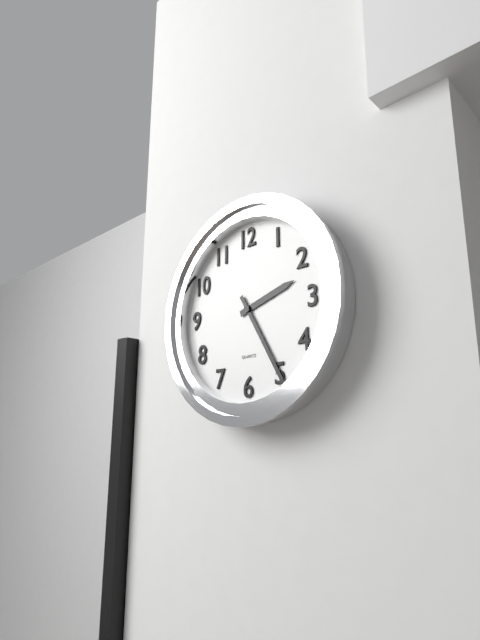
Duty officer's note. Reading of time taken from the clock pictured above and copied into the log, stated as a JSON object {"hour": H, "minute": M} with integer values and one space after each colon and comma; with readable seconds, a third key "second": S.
{"hour": 2, "minute": 25}
